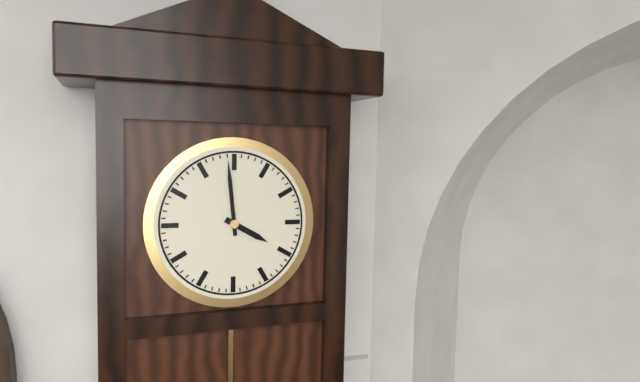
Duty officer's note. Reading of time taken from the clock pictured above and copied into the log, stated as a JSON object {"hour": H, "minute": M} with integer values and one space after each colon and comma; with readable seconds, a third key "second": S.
{"hour": 3, "minute": 59}
